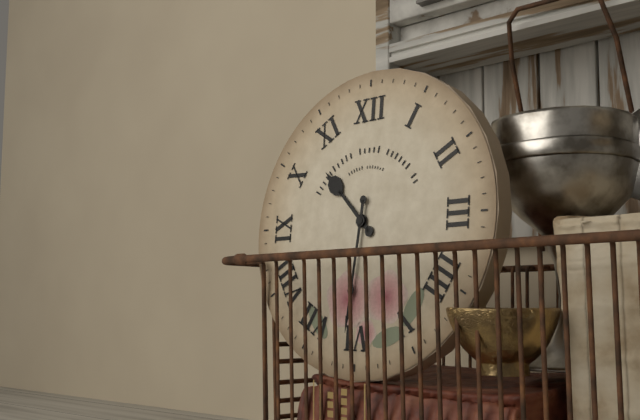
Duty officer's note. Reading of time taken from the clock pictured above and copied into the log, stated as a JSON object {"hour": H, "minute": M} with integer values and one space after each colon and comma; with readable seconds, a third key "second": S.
{"hour": 10, "minute": 31}
